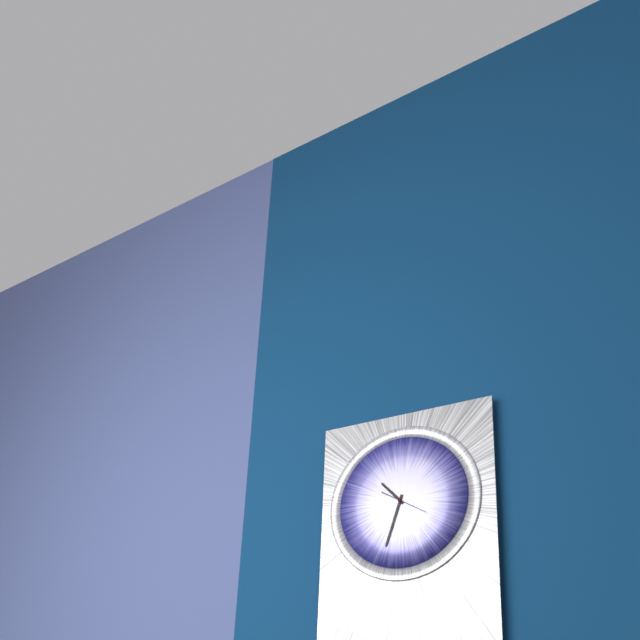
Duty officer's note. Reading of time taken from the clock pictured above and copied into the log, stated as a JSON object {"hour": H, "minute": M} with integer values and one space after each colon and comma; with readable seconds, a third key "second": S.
{"hour": 10, "minute": 33}
